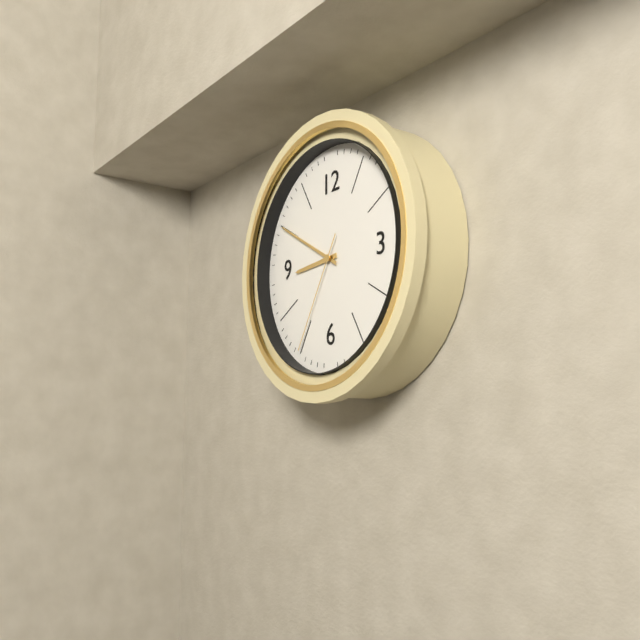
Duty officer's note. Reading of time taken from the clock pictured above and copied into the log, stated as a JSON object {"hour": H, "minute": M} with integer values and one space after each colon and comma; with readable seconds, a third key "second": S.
{"hour": 8, "minute": 50, "second": 35}
